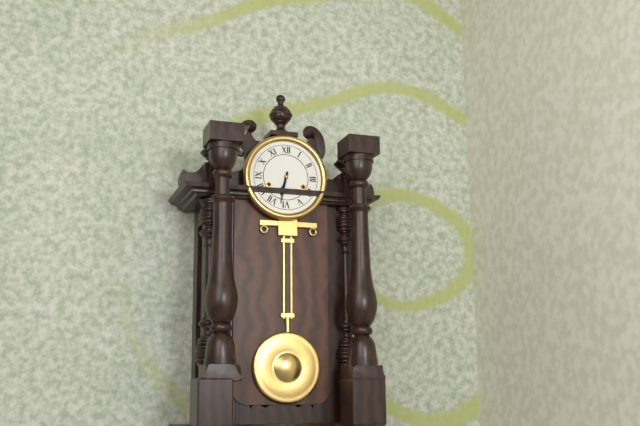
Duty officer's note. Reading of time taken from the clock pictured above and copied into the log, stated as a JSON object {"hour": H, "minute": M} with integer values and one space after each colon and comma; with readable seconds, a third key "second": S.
{"hour": 6, "minute": 32}
